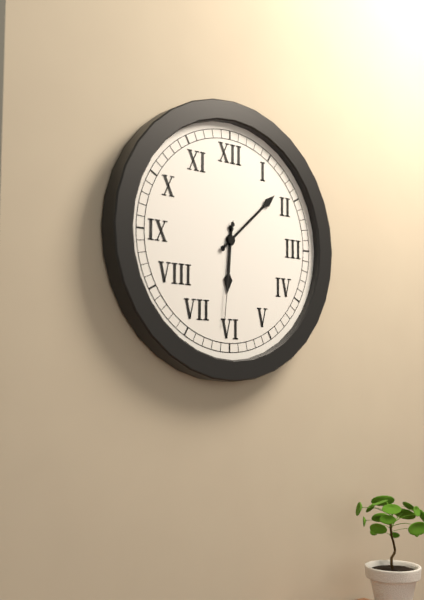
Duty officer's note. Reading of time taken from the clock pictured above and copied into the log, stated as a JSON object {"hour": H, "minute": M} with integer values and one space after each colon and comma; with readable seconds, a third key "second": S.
{"hour": 6, "minute": 8, "second": 31}
